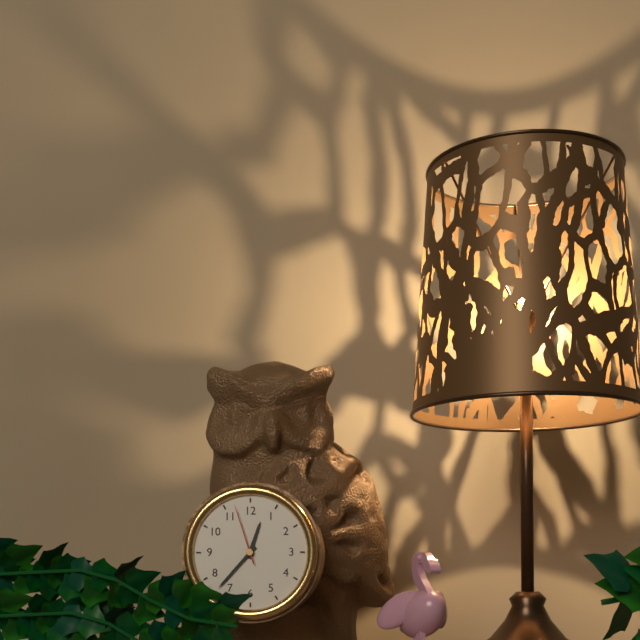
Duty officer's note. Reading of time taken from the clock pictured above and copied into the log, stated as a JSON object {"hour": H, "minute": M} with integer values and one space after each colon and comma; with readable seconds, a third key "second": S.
{"hour": 12, "minute": 37, "second": 57}
